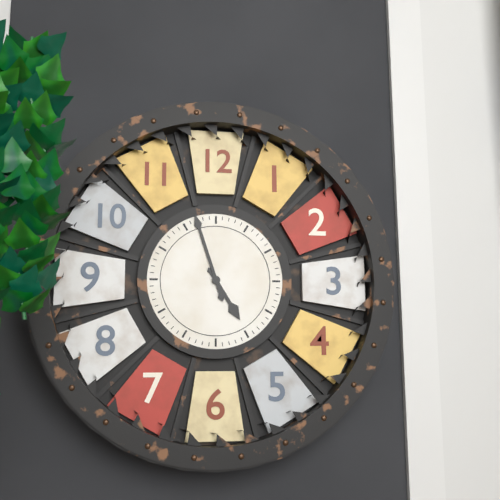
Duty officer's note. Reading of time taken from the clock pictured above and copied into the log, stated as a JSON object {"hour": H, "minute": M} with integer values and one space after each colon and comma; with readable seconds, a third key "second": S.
{"hour": 4, "minute": 57}
